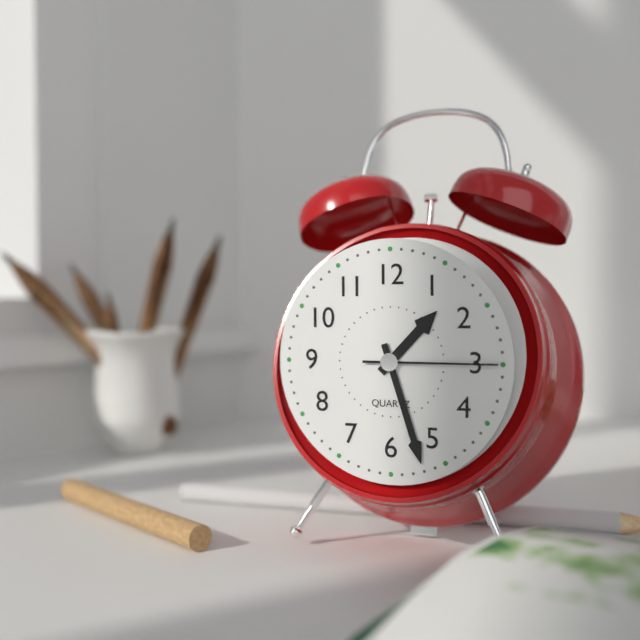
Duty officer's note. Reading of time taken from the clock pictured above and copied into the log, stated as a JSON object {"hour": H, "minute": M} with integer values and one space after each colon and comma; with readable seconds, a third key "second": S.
{"hour": 1, "minute": 27, "second": 15}
